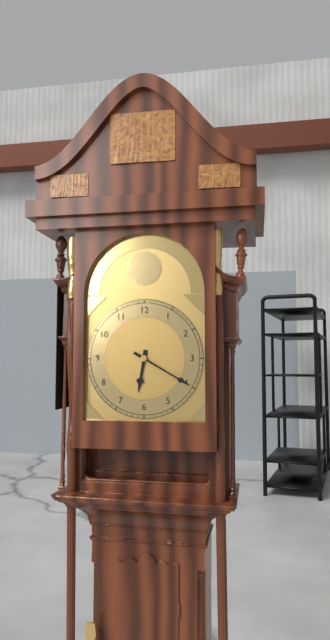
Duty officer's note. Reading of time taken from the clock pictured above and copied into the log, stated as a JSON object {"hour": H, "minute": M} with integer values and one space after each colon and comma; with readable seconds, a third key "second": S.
{"hour": 6, "minute": 20}
